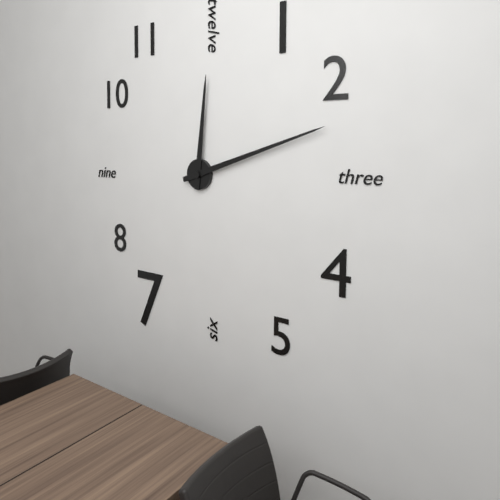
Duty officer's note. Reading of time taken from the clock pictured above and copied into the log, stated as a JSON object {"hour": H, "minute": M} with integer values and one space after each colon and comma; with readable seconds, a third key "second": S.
{"hour": 12, "minute": 12}
